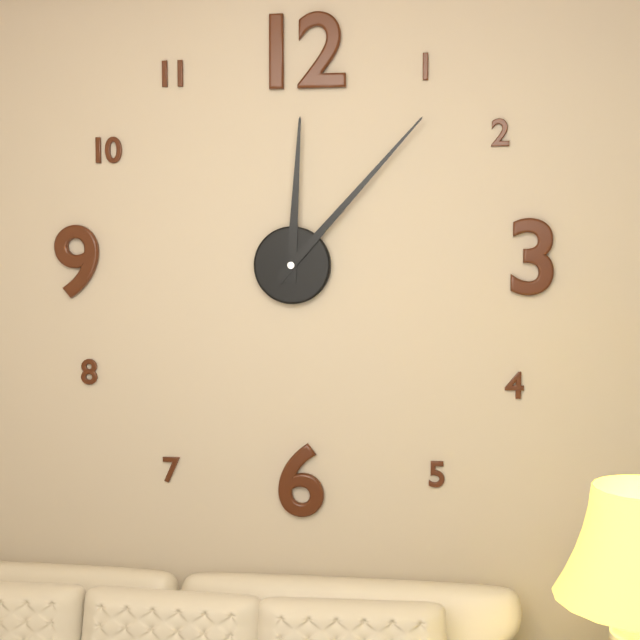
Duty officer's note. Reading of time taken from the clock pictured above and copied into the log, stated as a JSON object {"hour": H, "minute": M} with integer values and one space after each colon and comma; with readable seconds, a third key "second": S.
{"hour": 12, "minute": 7}
